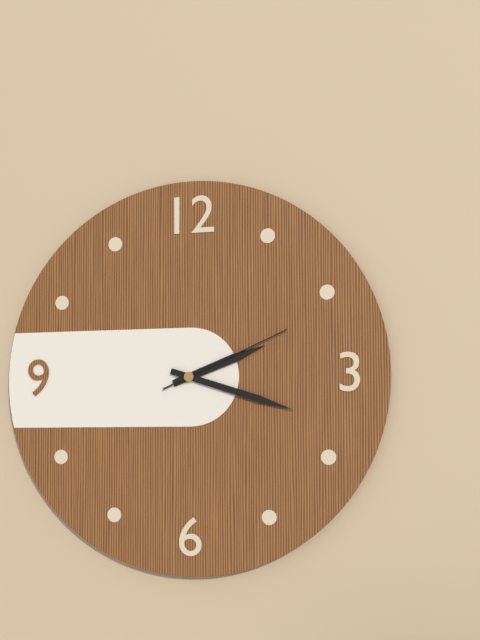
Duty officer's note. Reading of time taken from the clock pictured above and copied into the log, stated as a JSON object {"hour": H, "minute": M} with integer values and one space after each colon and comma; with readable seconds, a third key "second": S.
{"hour": 2, "minute": 18, "second": 11}
